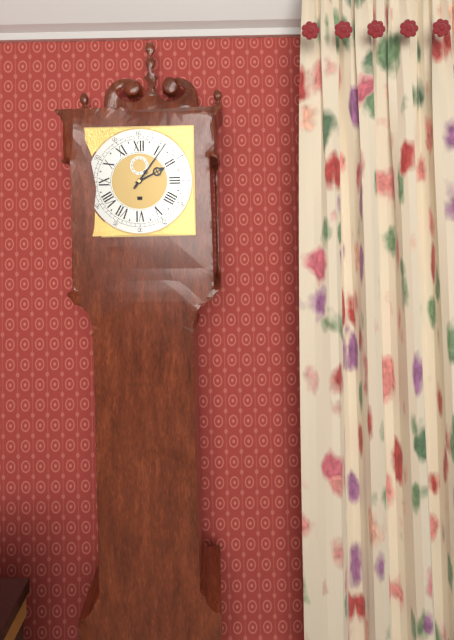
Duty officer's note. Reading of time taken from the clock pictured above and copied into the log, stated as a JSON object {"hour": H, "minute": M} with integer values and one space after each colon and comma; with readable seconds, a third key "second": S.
{"hour": 2, "minute": 6}
